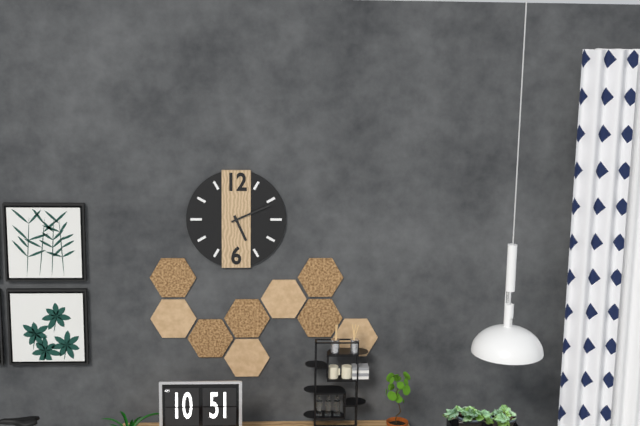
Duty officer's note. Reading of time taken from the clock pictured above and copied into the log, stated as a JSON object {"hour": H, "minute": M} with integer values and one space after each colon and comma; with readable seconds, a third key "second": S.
{"hour": 5, "minute": 11}
